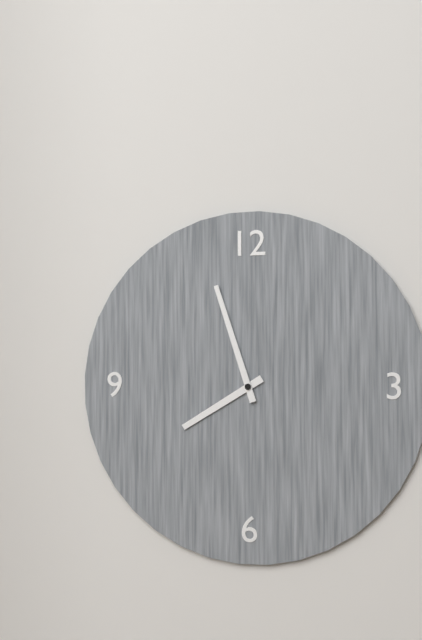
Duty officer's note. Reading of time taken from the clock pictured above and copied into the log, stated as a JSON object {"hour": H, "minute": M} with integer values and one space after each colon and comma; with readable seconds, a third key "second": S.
{"hour": 7, "minute": 57}
